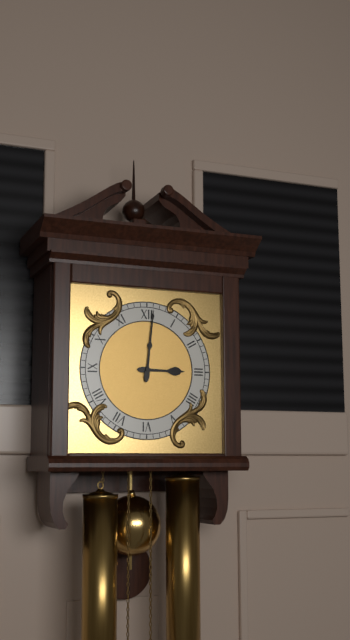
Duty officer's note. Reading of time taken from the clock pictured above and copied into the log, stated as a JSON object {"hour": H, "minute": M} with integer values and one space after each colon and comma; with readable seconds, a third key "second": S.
{"hour": 3, "minute": 1}
